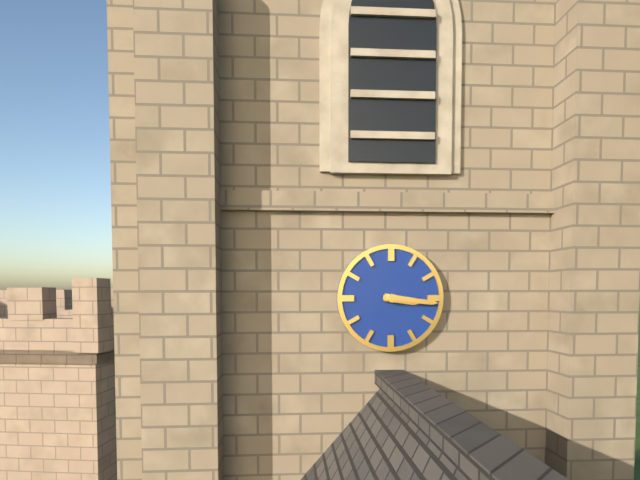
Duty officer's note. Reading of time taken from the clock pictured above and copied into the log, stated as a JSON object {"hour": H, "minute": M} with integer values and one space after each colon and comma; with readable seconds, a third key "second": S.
{"hour": 3, "minute": 16}
